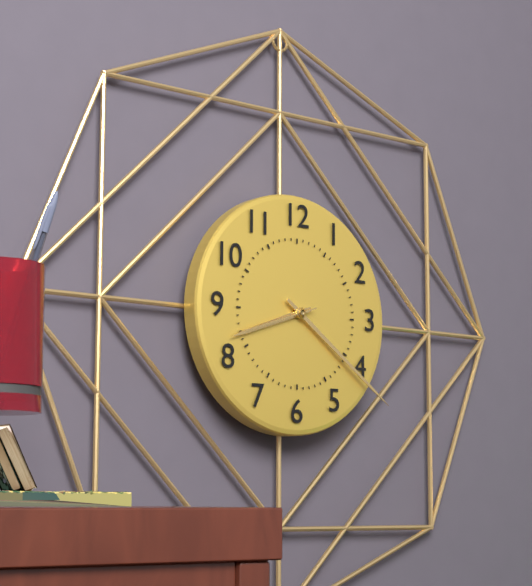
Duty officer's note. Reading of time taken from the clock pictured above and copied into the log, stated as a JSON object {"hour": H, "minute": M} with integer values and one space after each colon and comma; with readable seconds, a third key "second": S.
{"hour": 8, "minute": 21, "second": 42}
